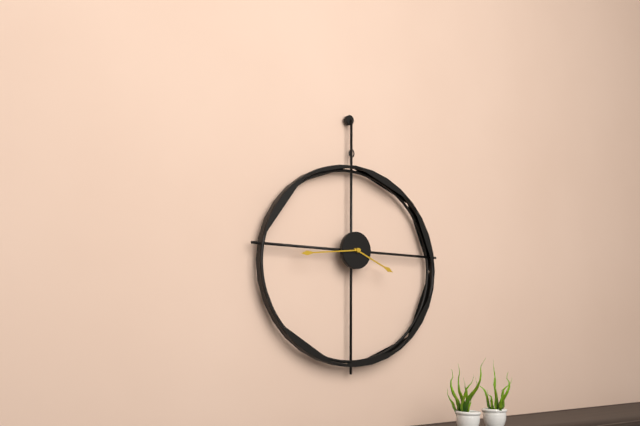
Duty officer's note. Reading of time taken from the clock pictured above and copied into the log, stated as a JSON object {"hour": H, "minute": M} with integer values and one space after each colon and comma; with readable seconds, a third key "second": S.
{"hour": 3, "minute": 44}
